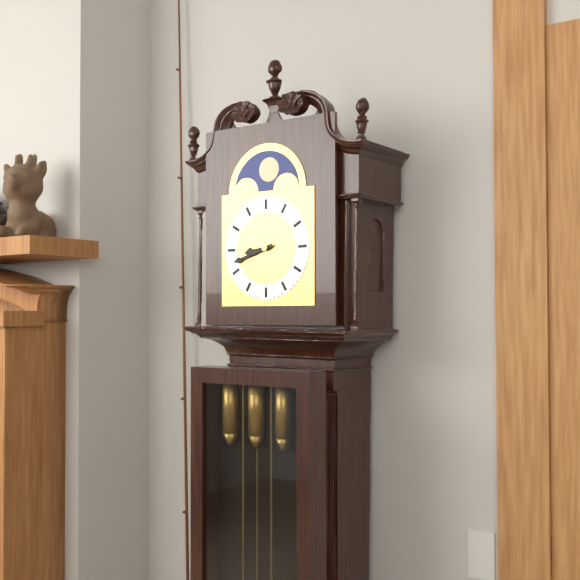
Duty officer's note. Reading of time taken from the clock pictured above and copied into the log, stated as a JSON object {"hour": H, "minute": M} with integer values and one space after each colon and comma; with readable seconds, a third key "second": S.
{"hour": 8, "minute": 42}
